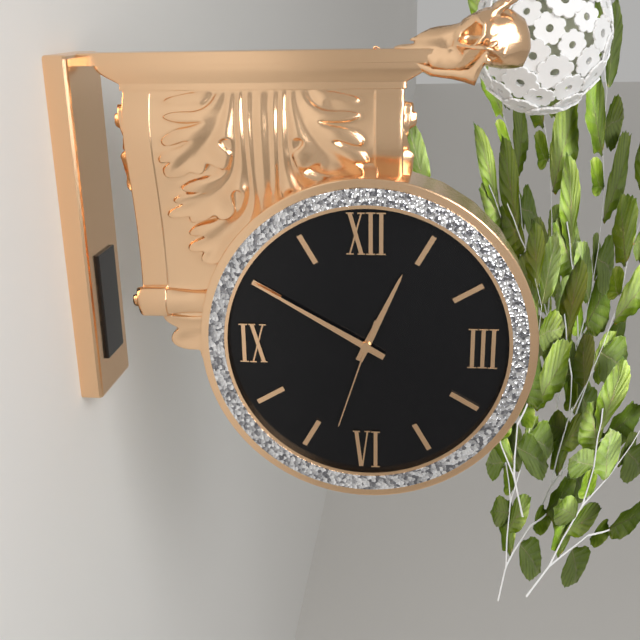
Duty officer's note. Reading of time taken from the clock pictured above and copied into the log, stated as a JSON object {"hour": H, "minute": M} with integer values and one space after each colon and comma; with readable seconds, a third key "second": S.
{"hour": 12, "minute": 50, "second": 33}
